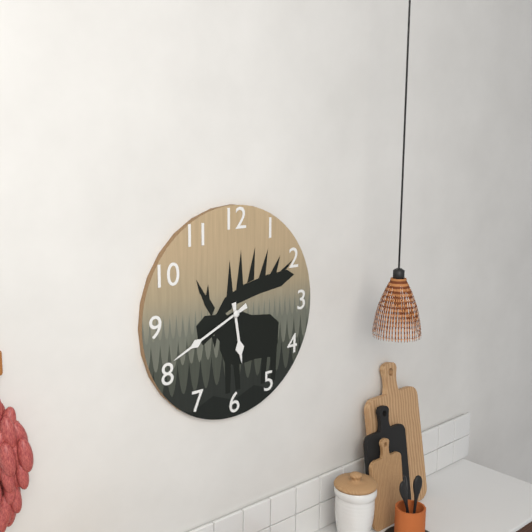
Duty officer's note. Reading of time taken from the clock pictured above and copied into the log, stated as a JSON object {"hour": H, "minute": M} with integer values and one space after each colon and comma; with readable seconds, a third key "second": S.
{"hour": 5, "minute": 41}
